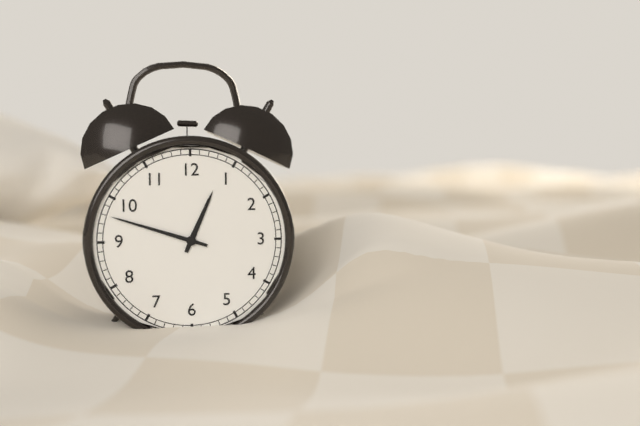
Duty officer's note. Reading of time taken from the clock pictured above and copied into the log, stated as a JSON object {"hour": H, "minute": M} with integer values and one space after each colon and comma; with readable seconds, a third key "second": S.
{"hour": 12, "minute": 48}
